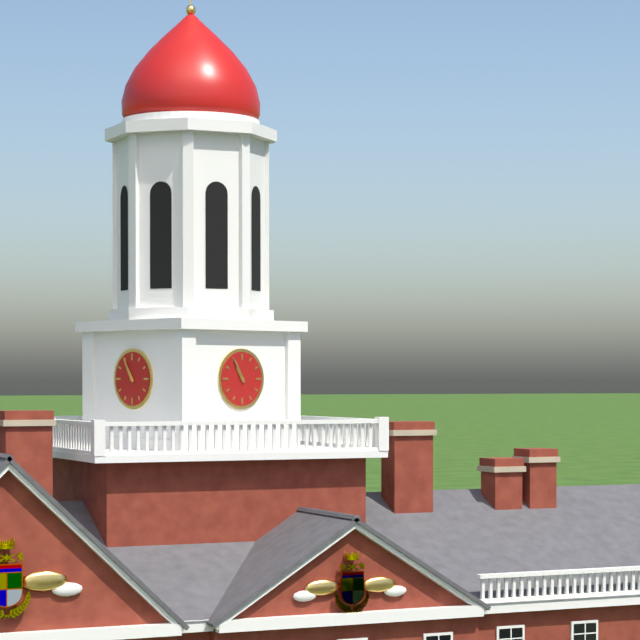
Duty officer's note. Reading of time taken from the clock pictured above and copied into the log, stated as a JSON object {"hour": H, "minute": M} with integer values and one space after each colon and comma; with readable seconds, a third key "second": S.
{"hour": 10, "minute": 55}
